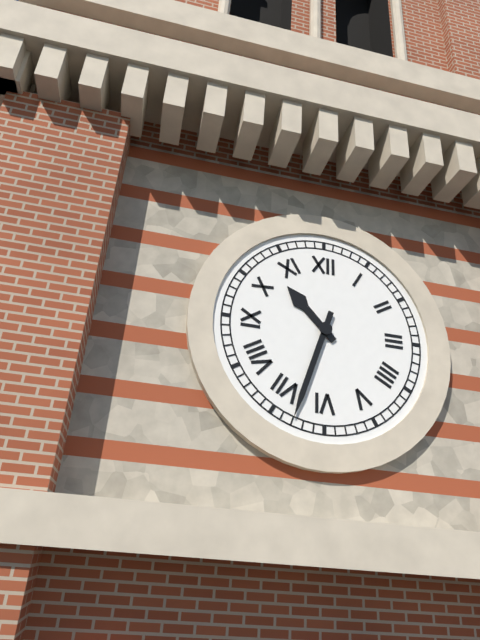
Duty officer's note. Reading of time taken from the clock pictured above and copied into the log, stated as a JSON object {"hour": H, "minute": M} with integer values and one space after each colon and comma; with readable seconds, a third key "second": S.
{"hour": 10, "minute": 33}
